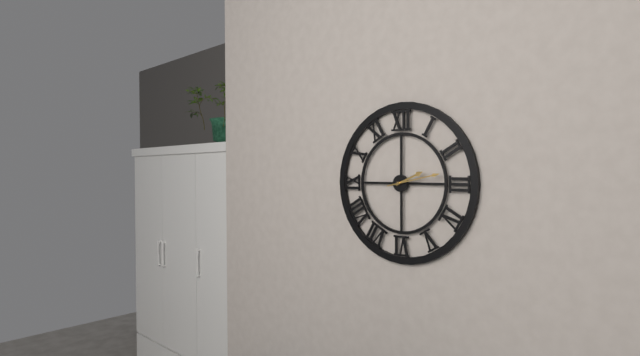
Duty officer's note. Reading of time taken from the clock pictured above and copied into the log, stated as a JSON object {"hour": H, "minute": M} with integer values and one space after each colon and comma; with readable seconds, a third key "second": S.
{"hour": 2, "minute": 13}
